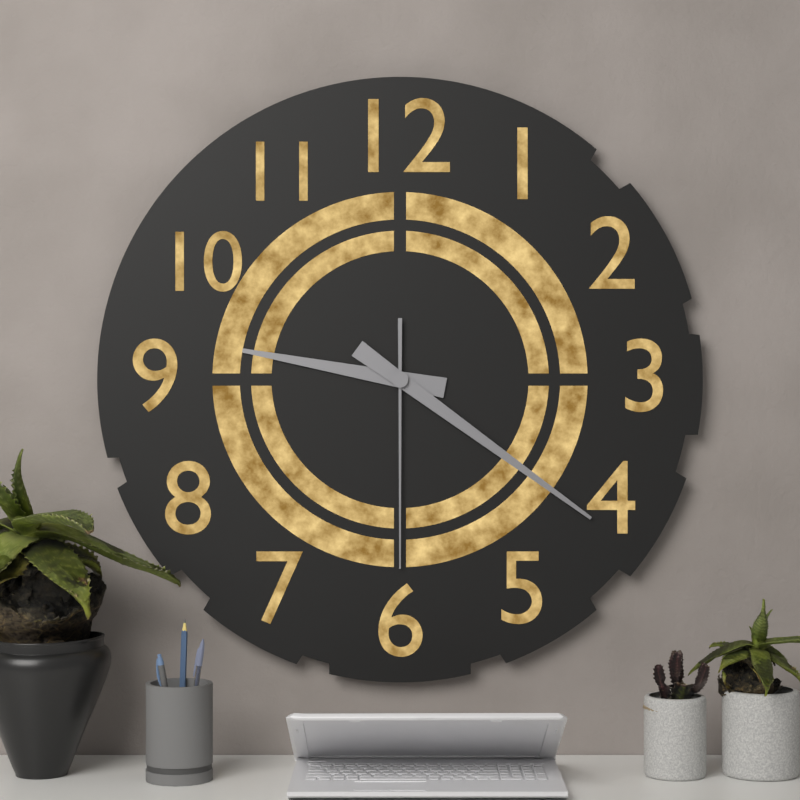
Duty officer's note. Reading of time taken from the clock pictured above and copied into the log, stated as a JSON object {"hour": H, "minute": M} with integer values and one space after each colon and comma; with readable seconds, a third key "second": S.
{"hour": 9, "minute": 21, "second": 30}
